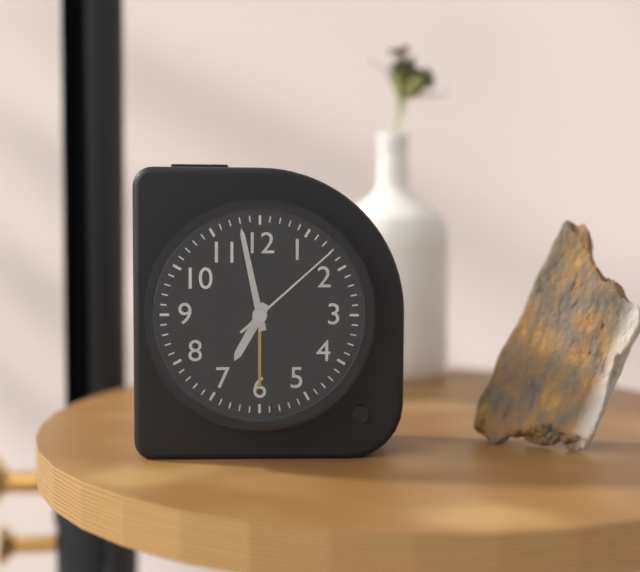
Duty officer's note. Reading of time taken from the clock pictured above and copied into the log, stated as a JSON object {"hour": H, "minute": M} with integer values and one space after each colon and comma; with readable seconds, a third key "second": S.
{"hour": 6, "minute": 58, "second": 8}
